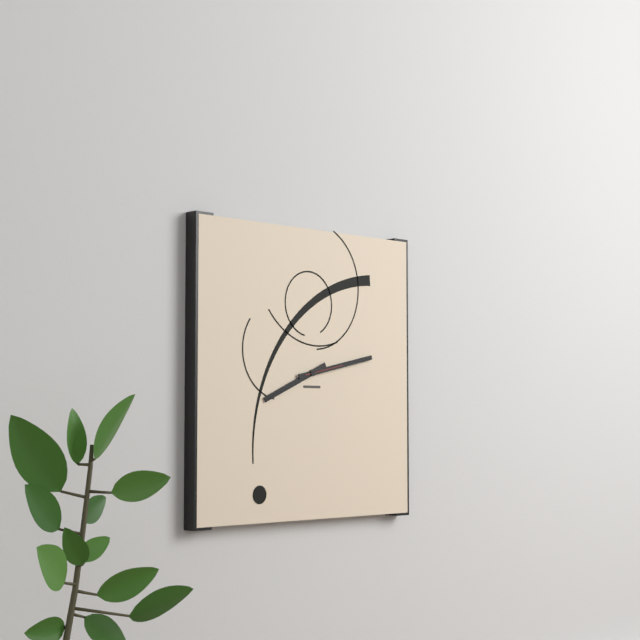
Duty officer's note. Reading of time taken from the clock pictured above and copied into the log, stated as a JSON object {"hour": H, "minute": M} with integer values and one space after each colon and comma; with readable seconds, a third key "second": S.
{"hour": 8, "minute": 13}
